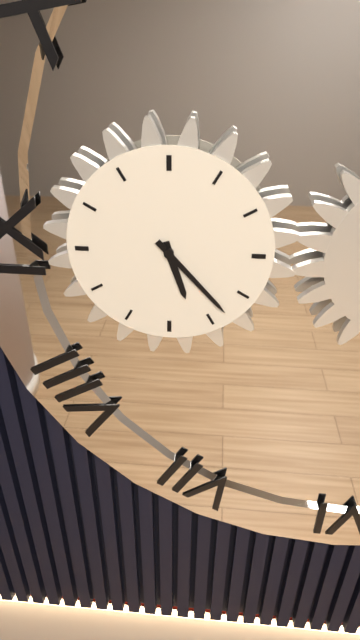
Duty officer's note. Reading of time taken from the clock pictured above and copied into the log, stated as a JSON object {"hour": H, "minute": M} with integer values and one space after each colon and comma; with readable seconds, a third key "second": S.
{"hour": 5, "minute": 23}
